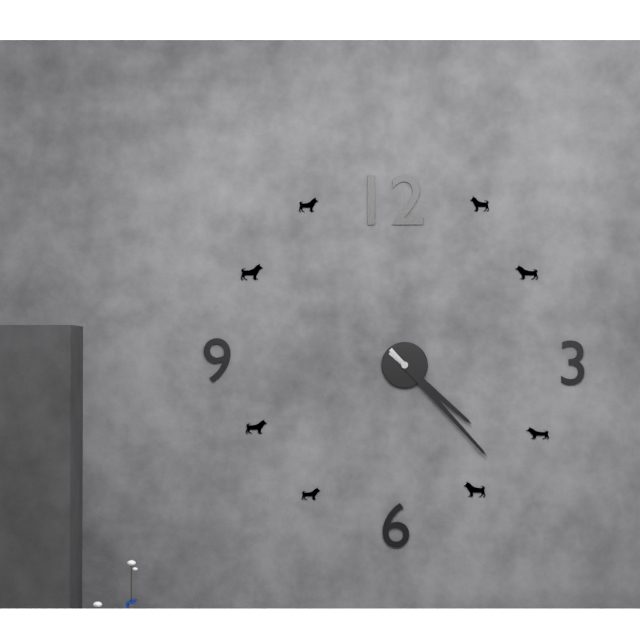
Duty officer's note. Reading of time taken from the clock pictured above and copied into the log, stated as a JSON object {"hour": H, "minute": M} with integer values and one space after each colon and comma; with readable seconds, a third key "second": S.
{"hour": 4, "minute": 23}
